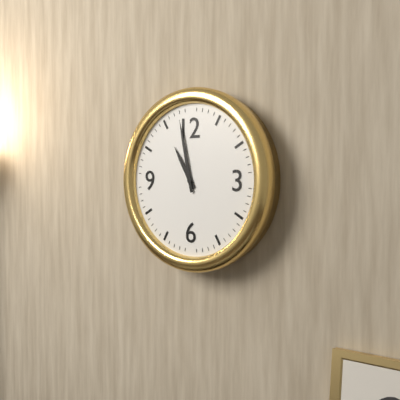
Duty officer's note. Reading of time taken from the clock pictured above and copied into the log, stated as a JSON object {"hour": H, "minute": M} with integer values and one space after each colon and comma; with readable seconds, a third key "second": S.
{"hour": 10, "minute": 58}
